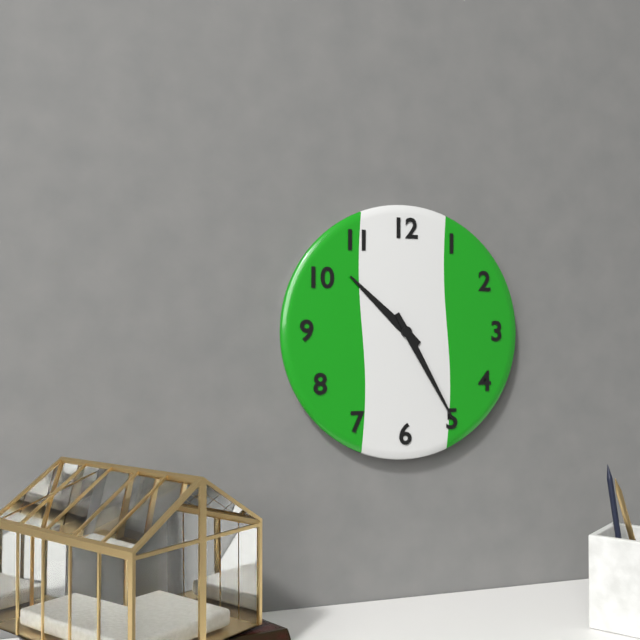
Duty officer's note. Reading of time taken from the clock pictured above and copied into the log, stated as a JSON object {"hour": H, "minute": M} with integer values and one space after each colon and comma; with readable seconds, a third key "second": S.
{"hour": 10, "minute": 25}
